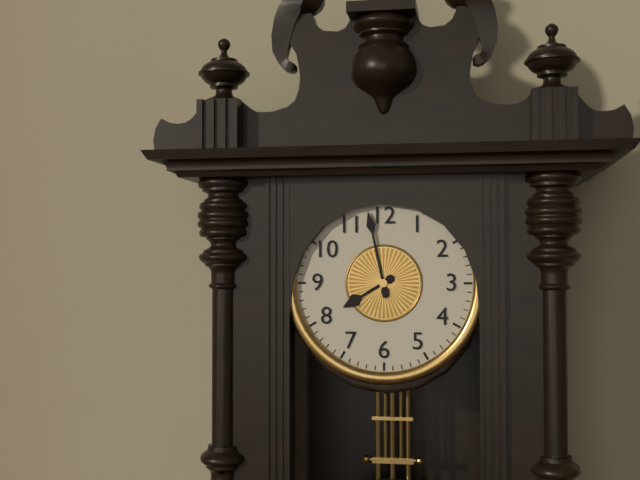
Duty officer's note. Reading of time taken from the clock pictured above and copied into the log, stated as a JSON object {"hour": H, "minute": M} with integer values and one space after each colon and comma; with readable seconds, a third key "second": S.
{"hour": 7, "minute": 58}
